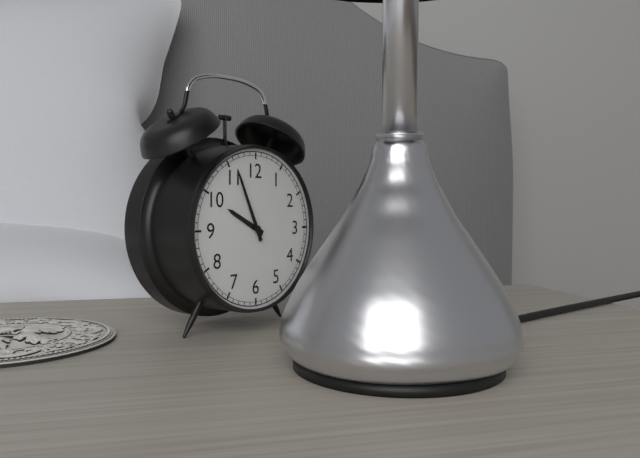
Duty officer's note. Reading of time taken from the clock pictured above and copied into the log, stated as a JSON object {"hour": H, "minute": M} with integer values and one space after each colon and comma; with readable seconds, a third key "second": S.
{"hour": 9, "minute": 56}
